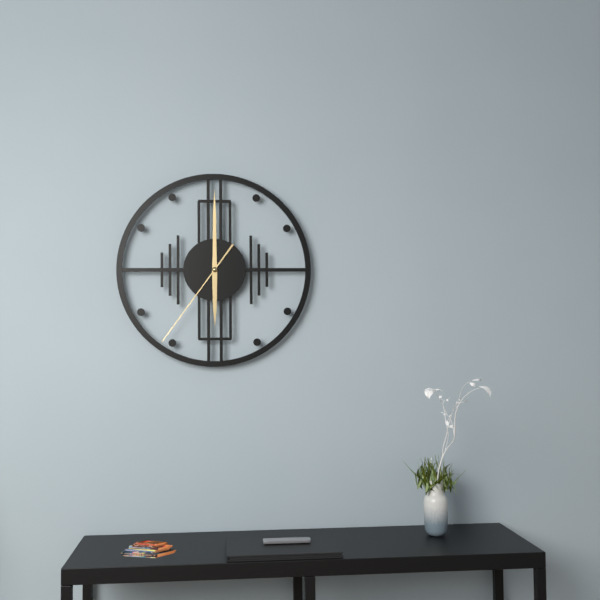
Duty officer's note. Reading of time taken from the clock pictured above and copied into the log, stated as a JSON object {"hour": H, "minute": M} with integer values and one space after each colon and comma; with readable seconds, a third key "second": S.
{"hour": 6, "minute": 0, "second": 36}
